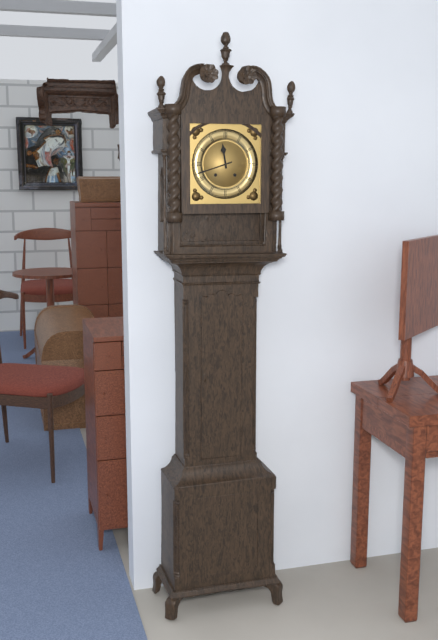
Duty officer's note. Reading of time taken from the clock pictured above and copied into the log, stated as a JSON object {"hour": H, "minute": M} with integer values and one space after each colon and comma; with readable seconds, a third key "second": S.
{"hour": 11, "minute": 42}
